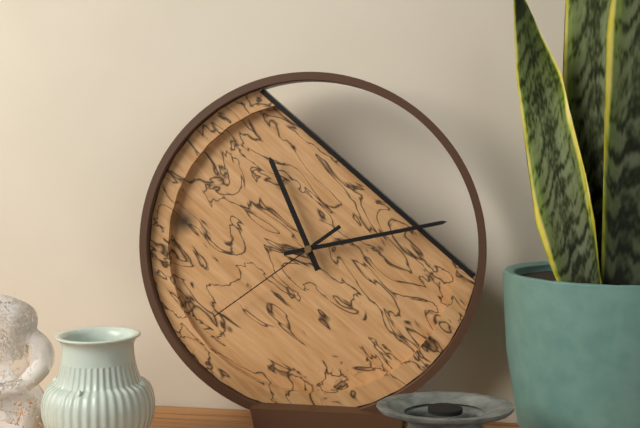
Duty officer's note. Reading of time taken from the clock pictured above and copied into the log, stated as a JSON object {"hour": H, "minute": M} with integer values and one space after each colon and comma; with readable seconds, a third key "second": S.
{"hour": 11, "minute": 13, "second": 39}
